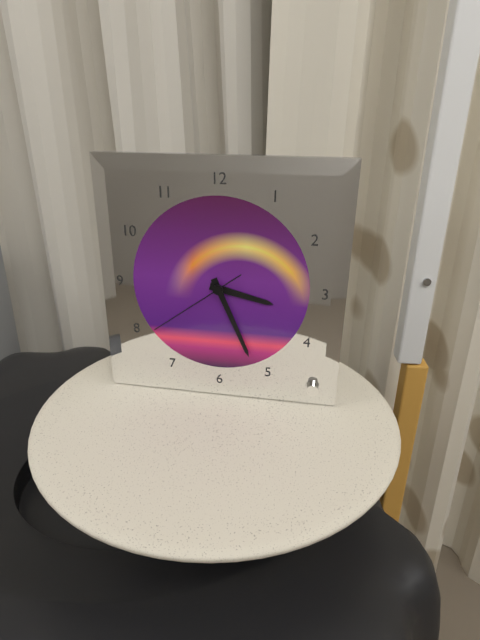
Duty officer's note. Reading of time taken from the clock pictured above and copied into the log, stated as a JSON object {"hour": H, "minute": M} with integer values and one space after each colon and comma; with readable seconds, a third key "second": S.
{"hour": 3, "minute": 26, "second": 39}
